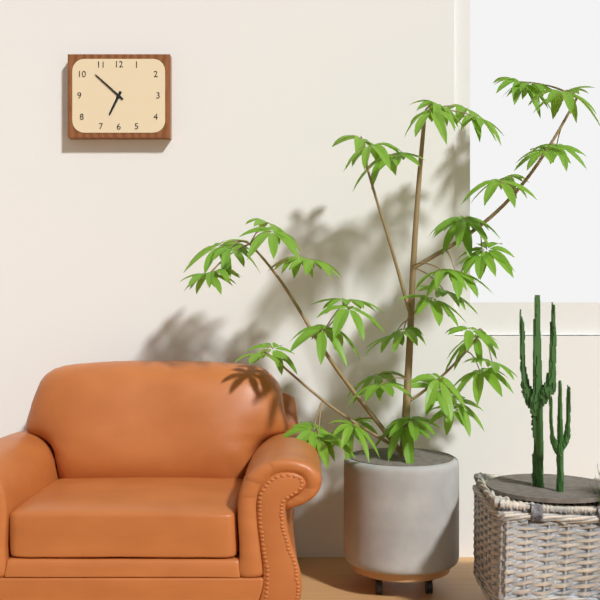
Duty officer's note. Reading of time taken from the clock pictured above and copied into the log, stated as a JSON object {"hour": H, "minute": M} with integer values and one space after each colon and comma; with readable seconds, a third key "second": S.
{"hour": 6, "minute": 52}
